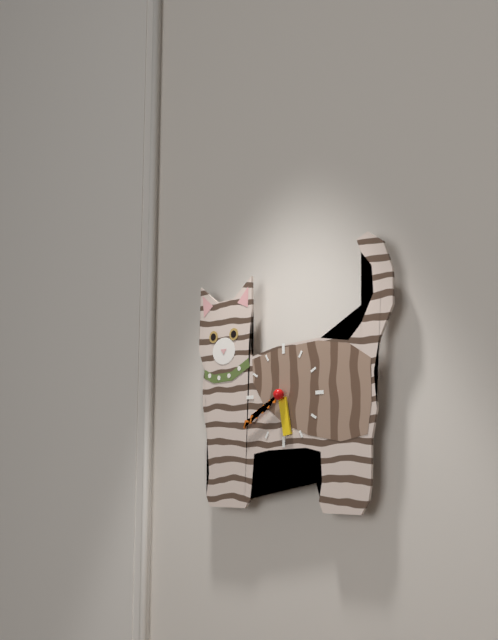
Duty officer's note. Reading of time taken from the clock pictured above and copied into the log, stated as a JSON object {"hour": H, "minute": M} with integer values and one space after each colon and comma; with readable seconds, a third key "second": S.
{"hour": 5, "minute": 40}
